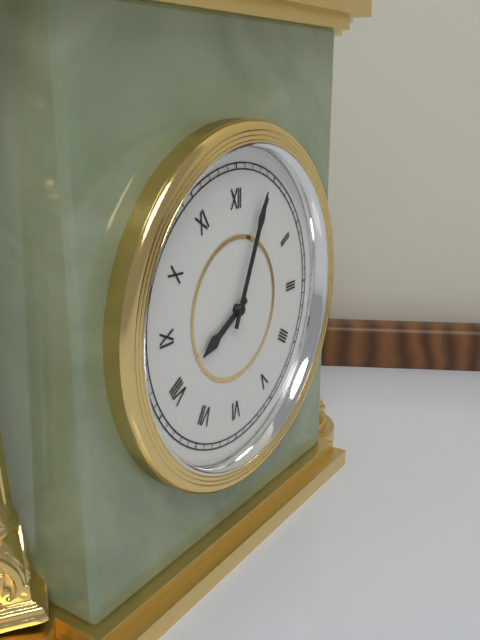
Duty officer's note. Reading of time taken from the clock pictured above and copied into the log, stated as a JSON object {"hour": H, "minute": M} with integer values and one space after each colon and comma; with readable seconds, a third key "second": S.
{"hour": 8, "minute": 4}
